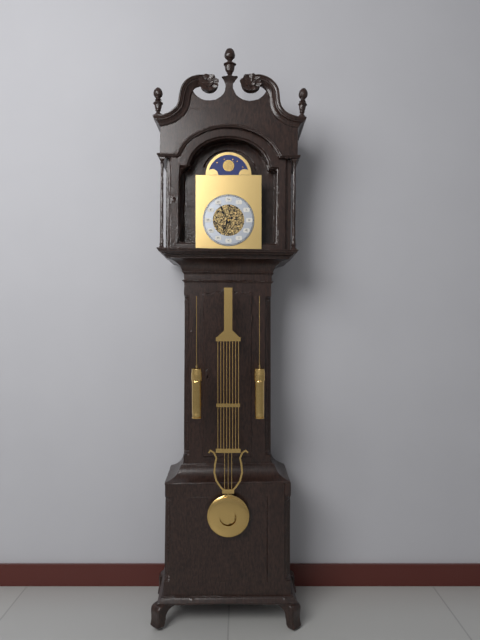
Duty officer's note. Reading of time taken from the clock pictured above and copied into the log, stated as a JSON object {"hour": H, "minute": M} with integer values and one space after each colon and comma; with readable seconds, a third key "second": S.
{"hour": 6, "minute": 55}
